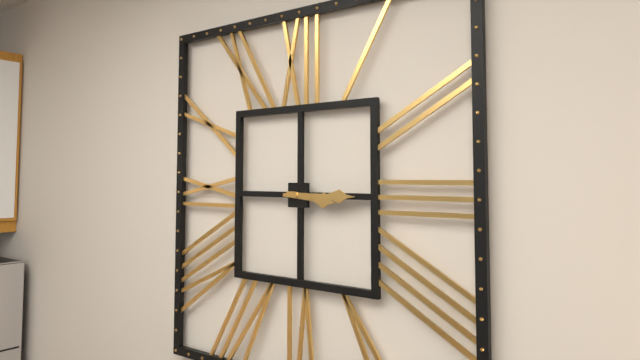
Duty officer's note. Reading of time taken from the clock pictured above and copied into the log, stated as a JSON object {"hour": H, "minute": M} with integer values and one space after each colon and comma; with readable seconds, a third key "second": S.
{"hour": 3, "minute": 15}
